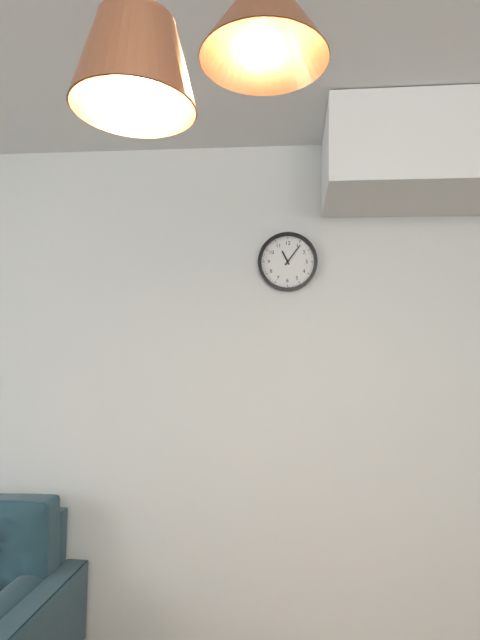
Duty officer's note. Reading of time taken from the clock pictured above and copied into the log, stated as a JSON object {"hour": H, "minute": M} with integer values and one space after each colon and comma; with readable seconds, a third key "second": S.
{"hour": 11, "minute": 6}
